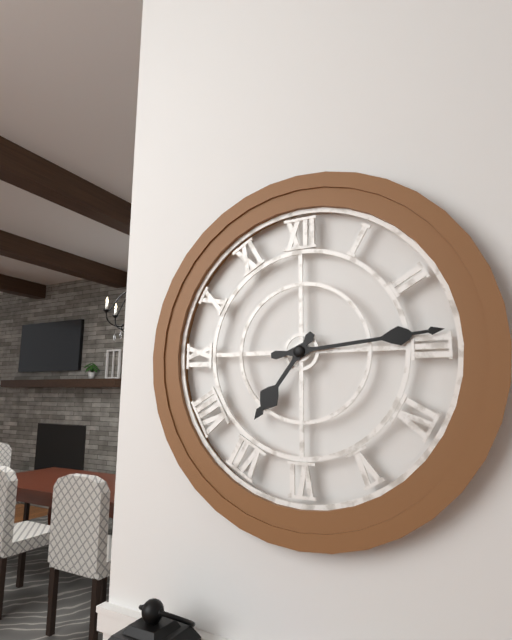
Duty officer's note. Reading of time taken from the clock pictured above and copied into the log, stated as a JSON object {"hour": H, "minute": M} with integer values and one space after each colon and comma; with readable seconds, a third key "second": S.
{"hour": 7, "minute": 14}
